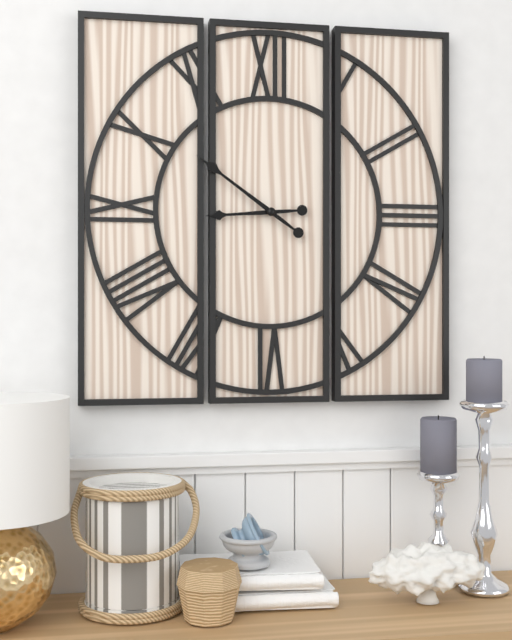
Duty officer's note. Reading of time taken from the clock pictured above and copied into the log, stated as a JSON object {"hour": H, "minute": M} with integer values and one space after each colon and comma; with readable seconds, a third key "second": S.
{"hour": 8, "minute": 51}
